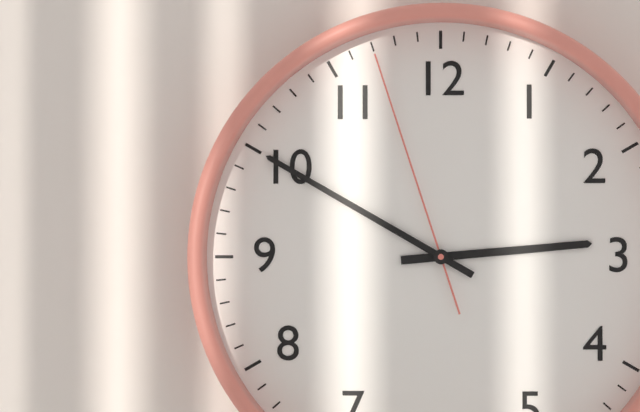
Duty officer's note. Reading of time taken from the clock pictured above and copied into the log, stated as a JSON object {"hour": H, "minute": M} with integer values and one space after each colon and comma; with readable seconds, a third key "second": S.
{"hour": 2, "minute": 50, "second": 57}
